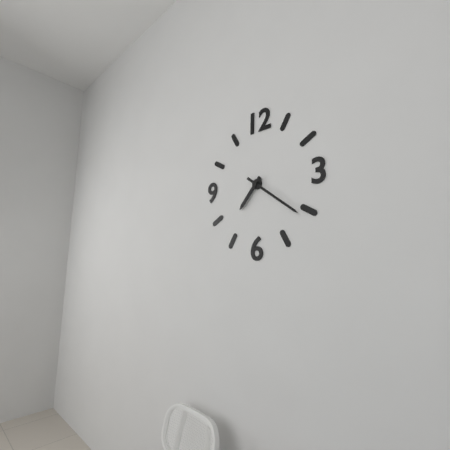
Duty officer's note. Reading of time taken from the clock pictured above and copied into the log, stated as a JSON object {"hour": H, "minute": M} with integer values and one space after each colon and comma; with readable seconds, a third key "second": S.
{"hour": 7, "minute": 21}
